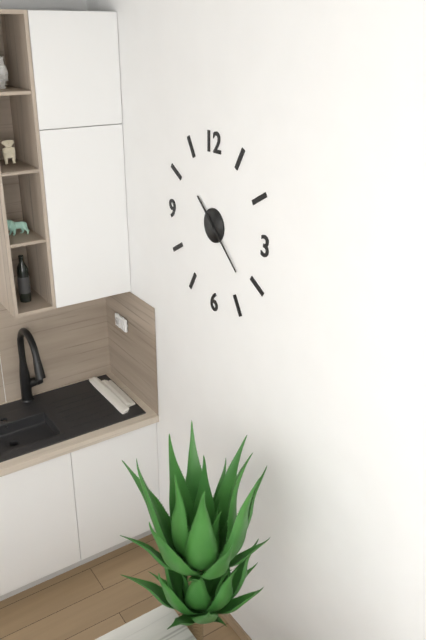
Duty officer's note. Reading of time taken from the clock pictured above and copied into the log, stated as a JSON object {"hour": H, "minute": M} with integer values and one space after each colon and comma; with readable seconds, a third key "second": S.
{"hour": 10, "minute": 22}
